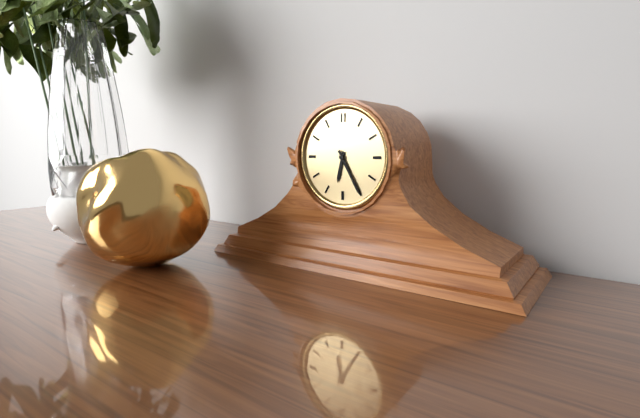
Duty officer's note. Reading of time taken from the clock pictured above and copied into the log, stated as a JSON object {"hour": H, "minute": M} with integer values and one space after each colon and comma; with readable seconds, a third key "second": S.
{"hour": 6, "minute": 25}
